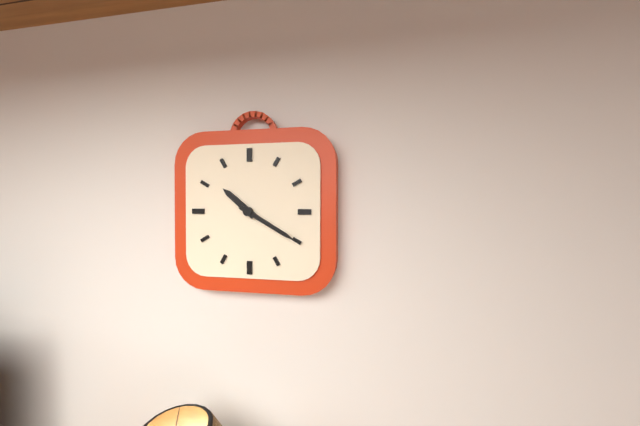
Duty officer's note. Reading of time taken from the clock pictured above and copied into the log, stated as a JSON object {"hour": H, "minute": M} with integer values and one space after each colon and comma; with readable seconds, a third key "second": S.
{"hour": 10, "minute": 20}
